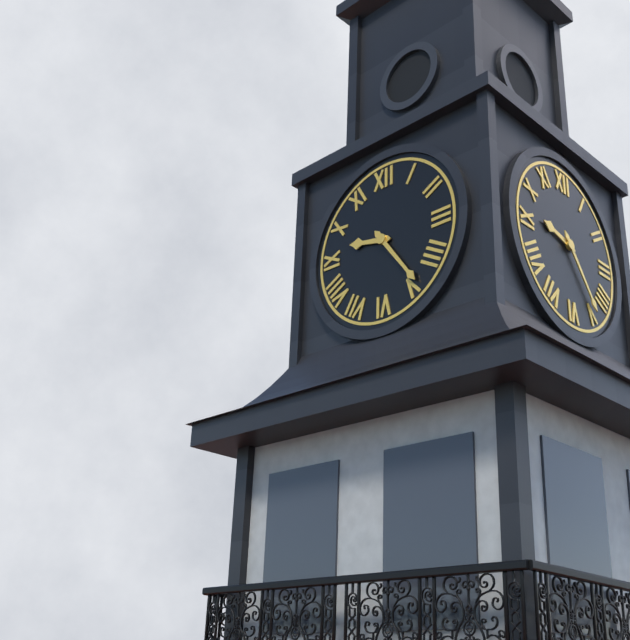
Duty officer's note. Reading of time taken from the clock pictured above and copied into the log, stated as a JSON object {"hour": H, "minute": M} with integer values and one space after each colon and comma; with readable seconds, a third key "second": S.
{"hour": 9, "minute": 24}
